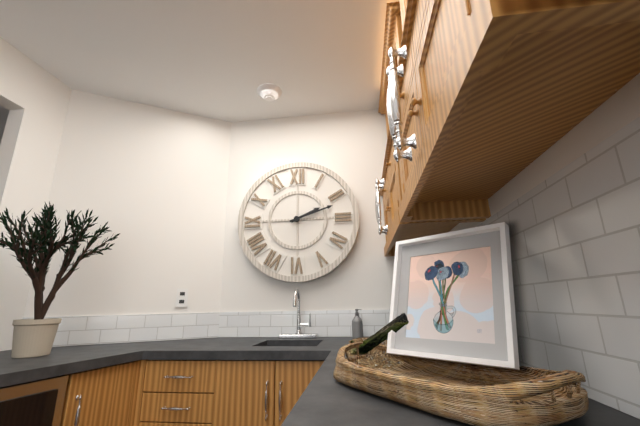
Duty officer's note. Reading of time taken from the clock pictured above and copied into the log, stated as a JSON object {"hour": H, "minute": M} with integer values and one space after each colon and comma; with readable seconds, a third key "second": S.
{"hour": 2, "minute": 12}
